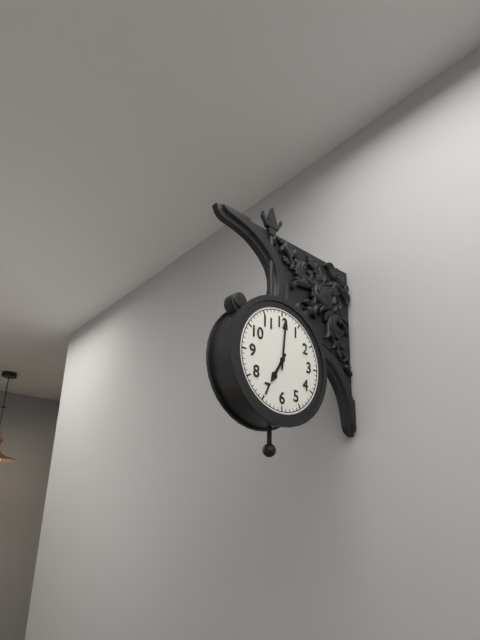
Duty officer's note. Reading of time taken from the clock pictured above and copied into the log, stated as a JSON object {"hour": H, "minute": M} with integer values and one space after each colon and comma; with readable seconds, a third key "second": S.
{"hour": 7, "minute": 1}
